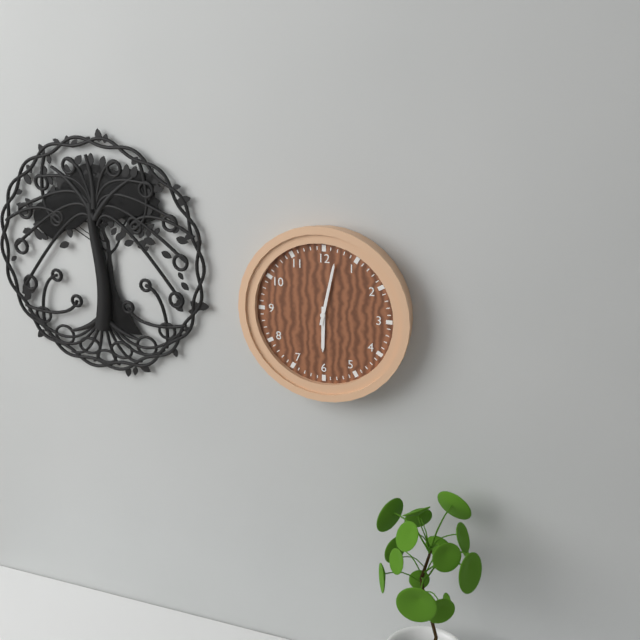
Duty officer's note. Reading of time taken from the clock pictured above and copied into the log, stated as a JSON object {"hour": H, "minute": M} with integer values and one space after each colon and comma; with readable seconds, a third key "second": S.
{"hour": 6, "minute": 2}
